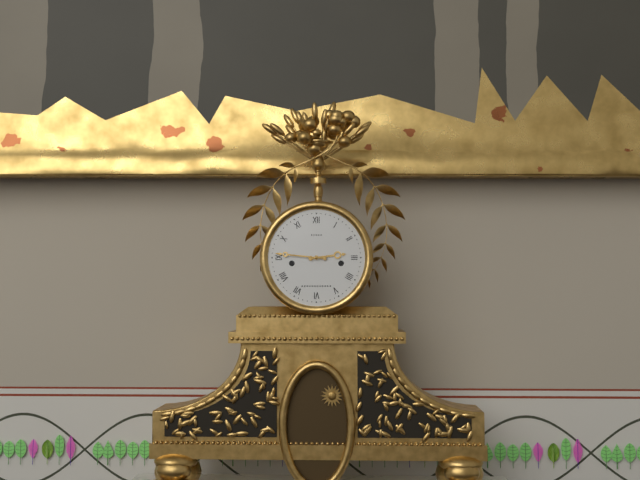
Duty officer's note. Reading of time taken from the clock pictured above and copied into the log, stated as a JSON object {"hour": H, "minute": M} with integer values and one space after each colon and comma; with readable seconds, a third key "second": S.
{"hour": 2, "minute": 46}
